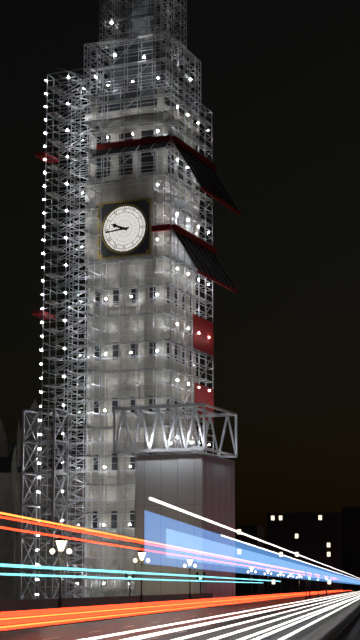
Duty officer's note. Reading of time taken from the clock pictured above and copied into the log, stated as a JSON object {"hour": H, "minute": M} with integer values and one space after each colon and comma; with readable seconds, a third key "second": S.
{"hour": 9, "minute": 44}
